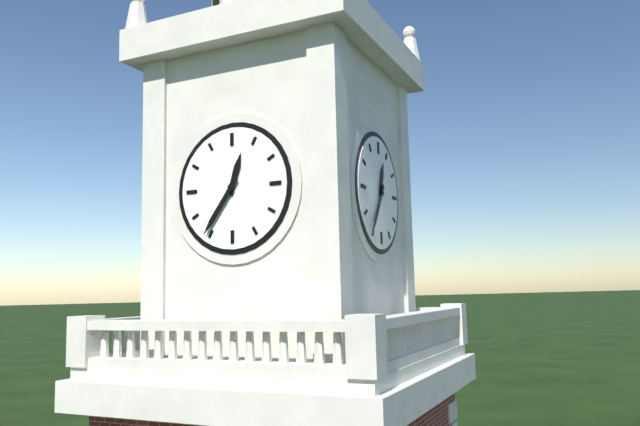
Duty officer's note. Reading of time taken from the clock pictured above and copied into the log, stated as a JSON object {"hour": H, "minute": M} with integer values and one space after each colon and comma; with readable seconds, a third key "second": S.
{"hour": 12, "minute": 36}
